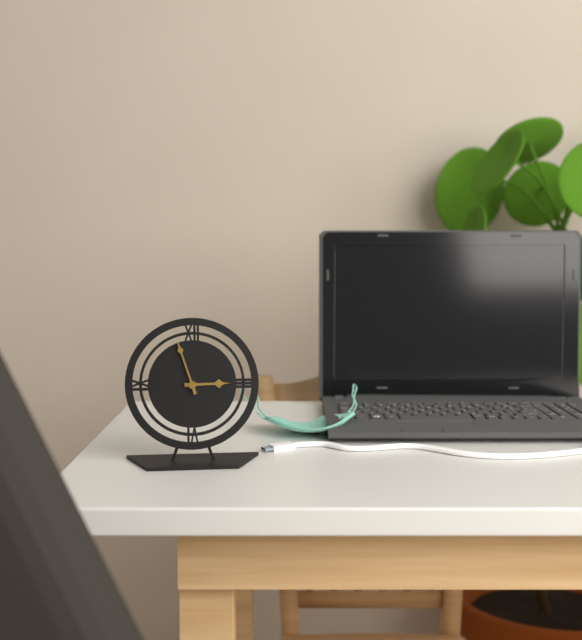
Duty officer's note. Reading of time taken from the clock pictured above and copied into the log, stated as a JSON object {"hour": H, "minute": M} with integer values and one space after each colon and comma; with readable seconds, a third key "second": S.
{"hour": 2, "minute": 57}
